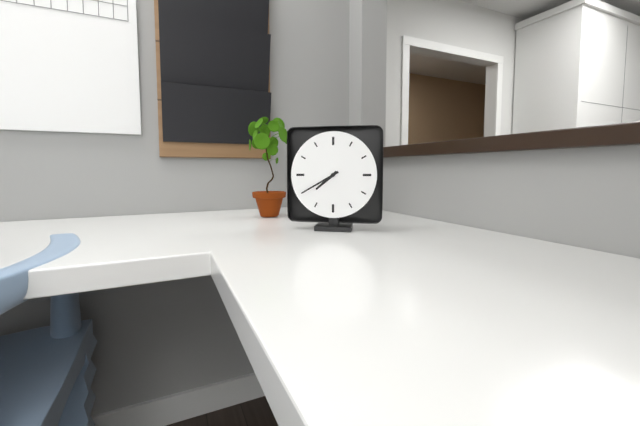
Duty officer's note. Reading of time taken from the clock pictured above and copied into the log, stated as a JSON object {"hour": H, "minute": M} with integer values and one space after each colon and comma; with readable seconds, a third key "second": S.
{"hour": 7, "minute": 40}
